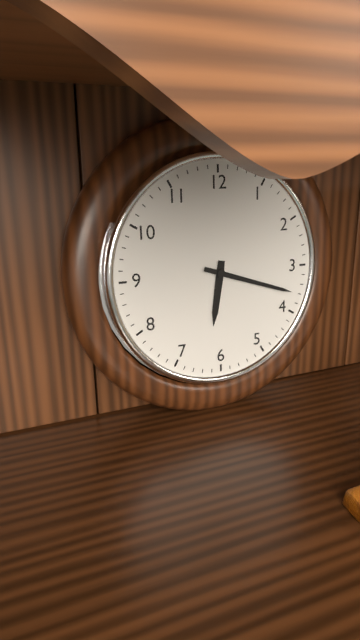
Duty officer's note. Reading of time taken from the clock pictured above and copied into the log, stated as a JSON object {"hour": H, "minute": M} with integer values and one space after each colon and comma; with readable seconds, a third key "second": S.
{"hour": 6, "minute": 18}
